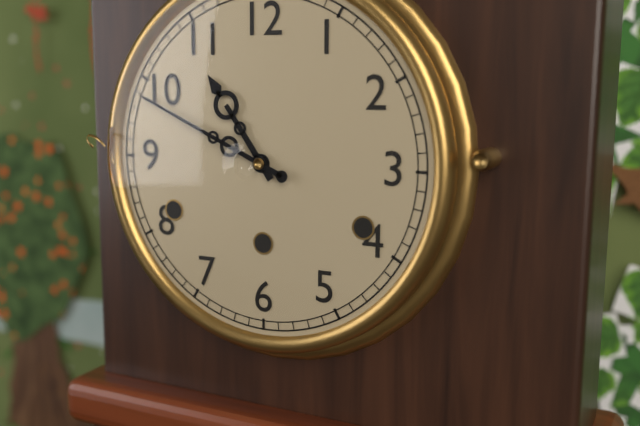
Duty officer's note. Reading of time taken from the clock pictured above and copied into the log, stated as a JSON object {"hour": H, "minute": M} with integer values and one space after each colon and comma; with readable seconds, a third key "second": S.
{"hour": 10, "minute": 49}
